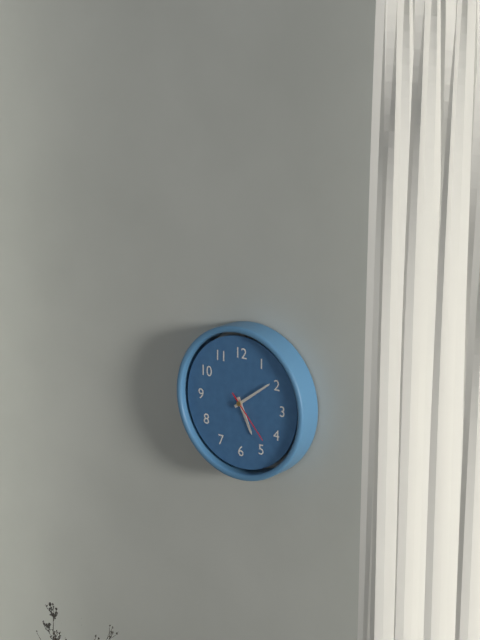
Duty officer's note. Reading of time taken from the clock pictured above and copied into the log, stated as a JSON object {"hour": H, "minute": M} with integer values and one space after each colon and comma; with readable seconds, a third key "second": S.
{"hour": 5, "minute": 9, "second": 23}
